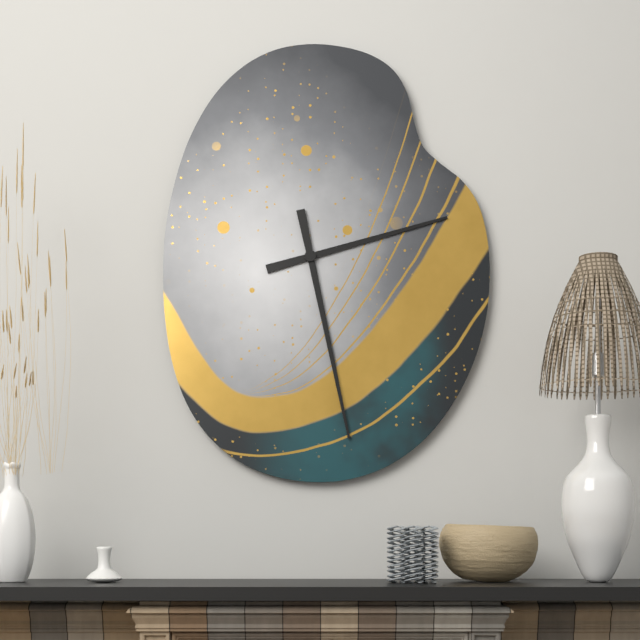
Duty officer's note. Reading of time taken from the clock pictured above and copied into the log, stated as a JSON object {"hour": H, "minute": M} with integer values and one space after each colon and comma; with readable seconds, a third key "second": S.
{"hour": 2, "minute": 28}
